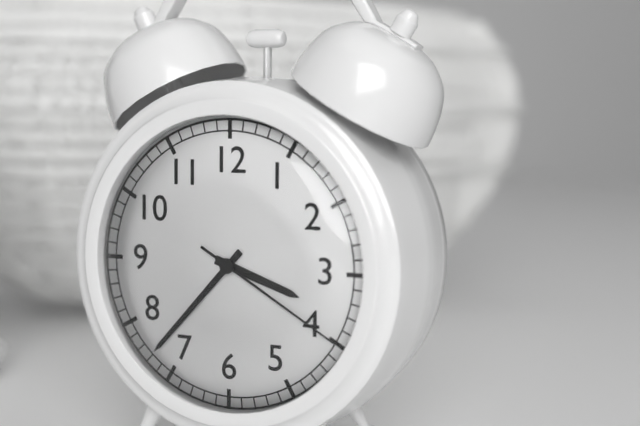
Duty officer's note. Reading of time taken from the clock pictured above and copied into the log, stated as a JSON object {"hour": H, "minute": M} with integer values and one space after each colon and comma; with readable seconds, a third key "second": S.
{"hour": 3, "minute": 37, "second": 20}
